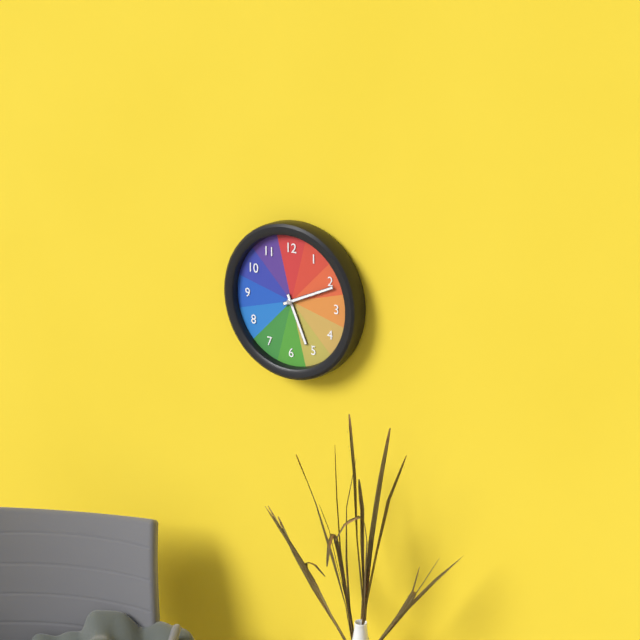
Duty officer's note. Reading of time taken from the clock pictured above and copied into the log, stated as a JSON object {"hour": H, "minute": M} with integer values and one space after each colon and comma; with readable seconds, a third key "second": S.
{"hour": 5, "minute": 11}
